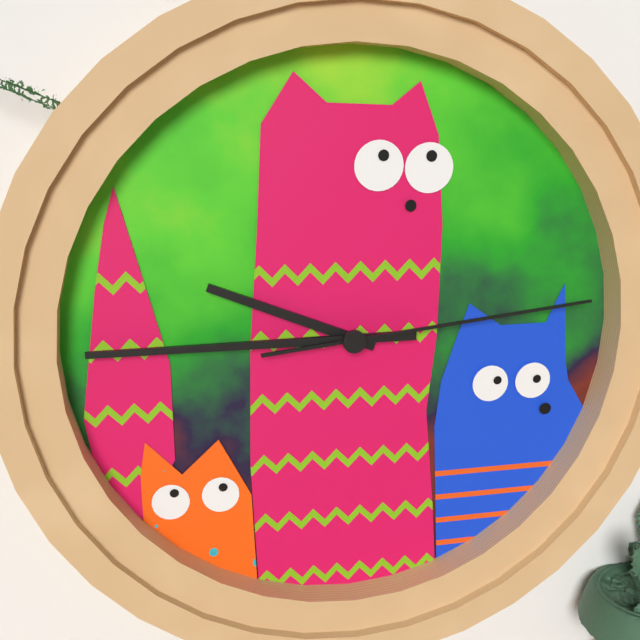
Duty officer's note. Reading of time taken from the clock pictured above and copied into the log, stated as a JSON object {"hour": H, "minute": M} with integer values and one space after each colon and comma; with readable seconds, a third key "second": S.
{"hour": 9, "minute": 45, "second": 14}
